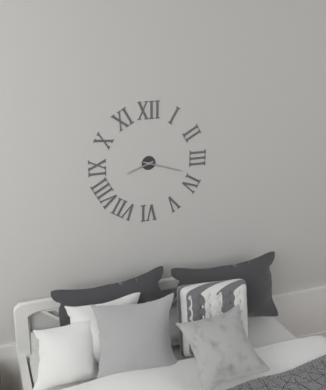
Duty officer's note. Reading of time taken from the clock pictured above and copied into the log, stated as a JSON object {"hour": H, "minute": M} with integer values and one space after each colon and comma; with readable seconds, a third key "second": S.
{"hour": 8, "minute": 18}
